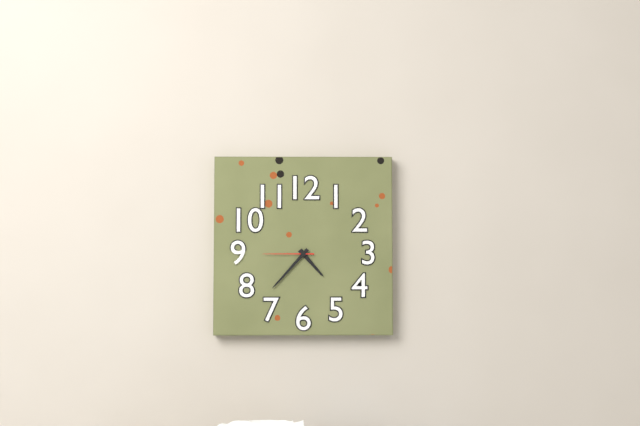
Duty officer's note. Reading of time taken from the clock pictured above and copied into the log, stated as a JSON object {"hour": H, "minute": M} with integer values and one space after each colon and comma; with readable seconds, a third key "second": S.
{"hour": 4, "minute": 37, "second": 45}
